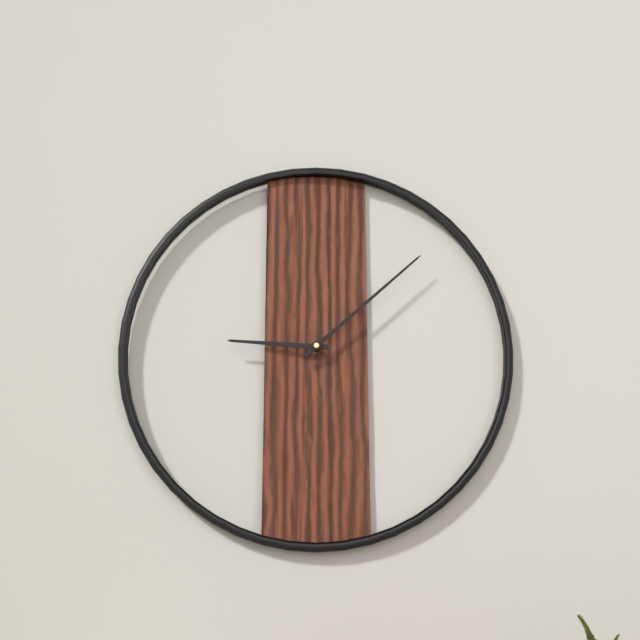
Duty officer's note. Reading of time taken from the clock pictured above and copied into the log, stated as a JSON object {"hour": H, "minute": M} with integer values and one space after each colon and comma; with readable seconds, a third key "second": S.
{"hour": 9, "minute": 8}
